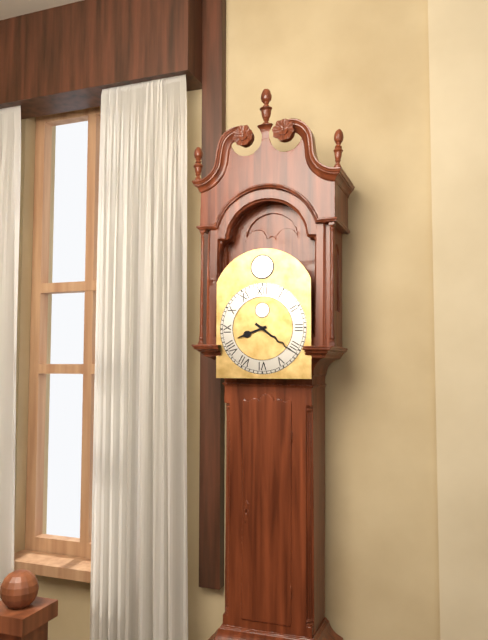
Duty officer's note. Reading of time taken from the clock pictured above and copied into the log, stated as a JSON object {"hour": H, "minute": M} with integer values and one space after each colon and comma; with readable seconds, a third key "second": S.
{"hour": 8, "minute": 21}
